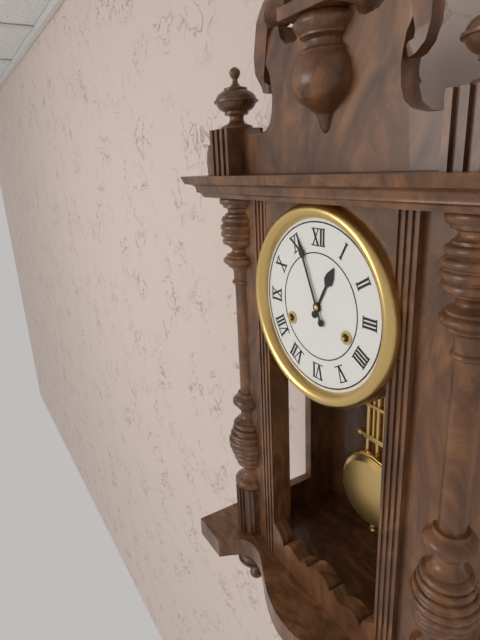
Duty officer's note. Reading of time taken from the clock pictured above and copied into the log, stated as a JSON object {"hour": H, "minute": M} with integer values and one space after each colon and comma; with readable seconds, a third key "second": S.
{"hour": 12, "minute": 56}
